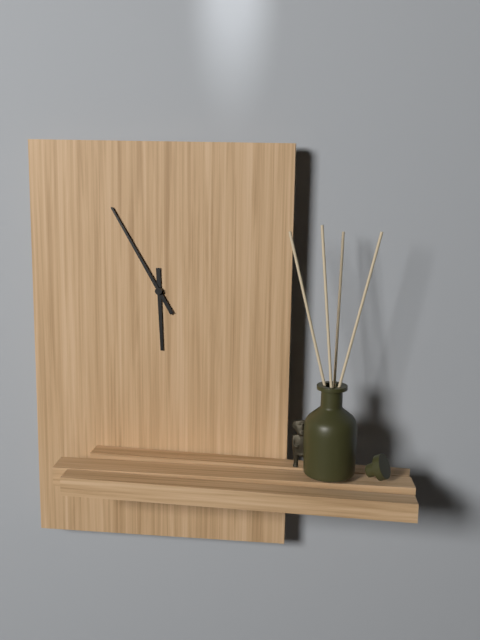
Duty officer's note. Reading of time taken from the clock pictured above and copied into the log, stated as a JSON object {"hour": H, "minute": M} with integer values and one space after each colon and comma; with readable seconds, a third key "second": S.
{"hour": 5, "minute": 55}
